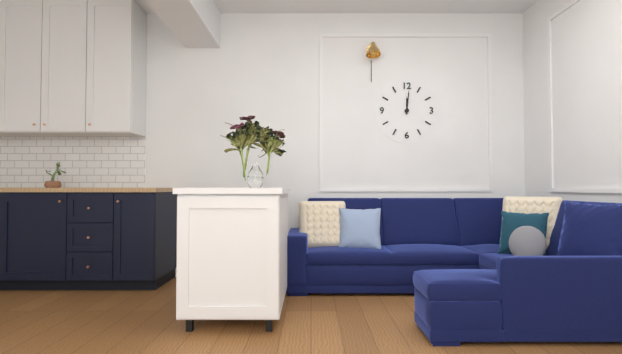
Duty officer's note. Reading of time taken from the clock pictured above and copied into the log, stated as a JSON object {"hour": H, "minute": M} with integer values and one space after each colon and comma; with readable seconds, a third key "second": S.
{"hour": 12, "minute": 1}
